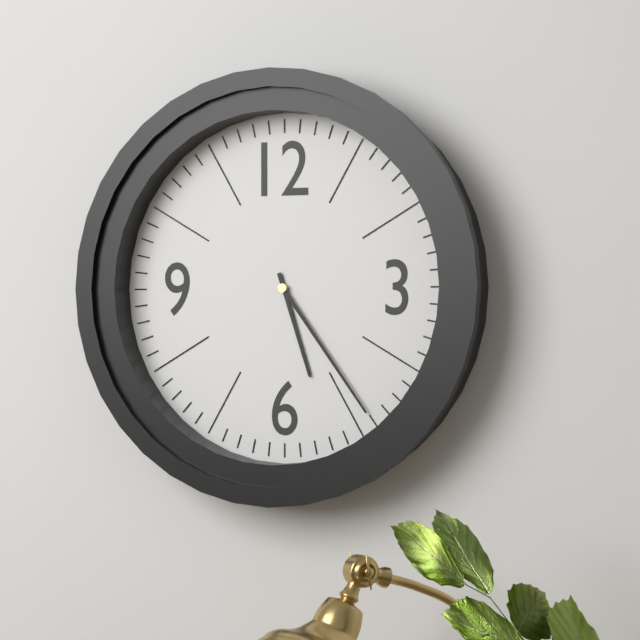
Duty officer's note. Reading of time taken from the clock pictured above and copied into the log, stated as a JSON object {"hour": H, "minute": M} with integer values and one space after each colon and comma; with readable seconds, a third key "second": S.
{"hour": 5, "minute": 24}
